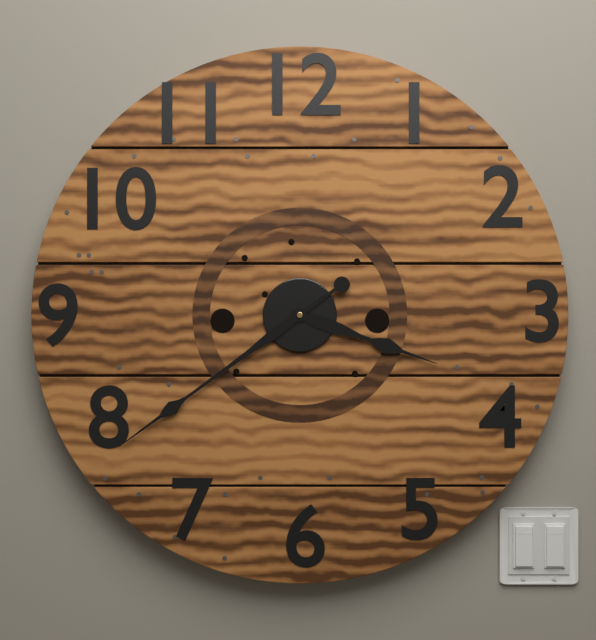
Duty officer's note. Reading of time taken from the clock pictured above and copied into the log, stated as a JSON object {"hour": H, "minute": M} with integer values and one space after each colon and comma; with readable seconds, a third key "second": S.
{"hour": 3, "minute": 39}
